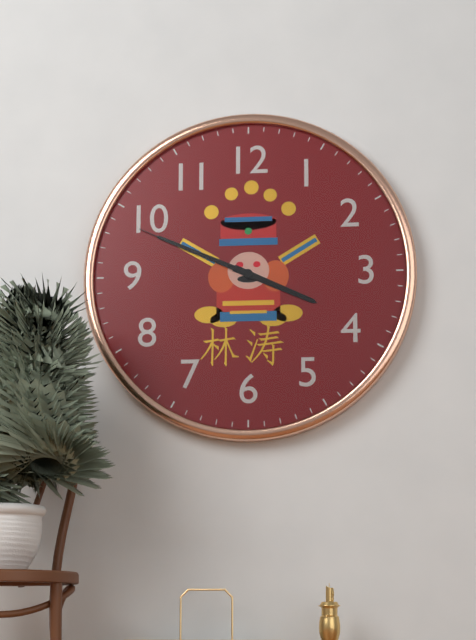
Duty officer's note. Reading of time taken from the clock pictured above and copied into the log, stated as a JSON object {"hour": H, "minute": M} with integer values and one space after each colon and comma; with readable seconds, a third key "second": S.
{"hour": 3, "minute": 49, "second": 49}
